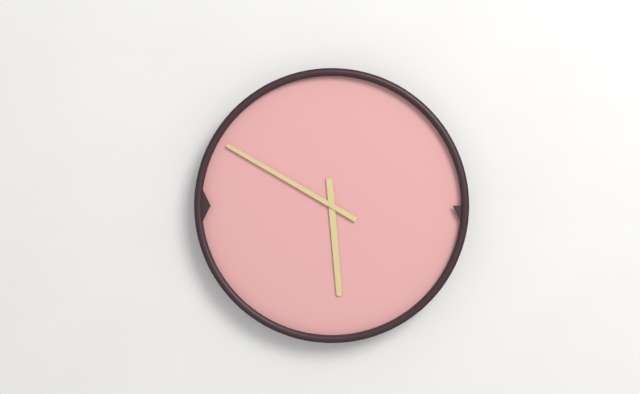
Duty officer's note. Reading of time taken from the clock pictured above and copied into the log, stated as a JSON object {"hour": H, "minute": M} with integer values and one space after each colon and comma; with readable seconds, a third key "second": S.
{"hour": 5, "minute": 50}
